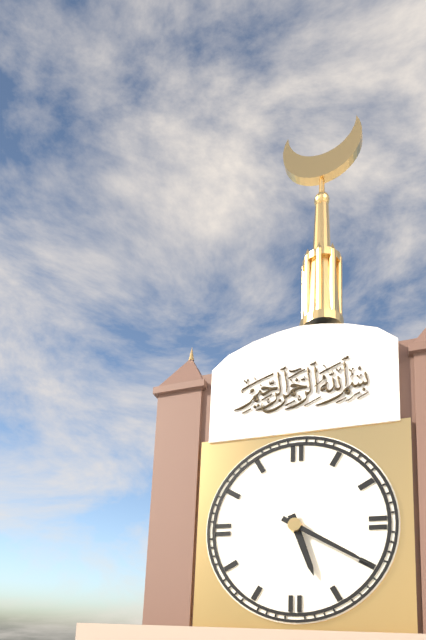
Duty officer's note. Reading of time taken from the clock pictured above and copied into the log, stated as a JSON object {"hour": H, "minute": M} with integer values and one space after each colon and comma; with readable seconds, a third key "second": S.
{"hour": 5, "minute": 20}
